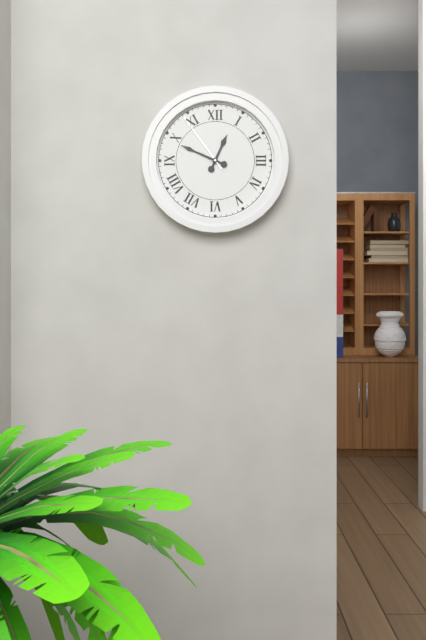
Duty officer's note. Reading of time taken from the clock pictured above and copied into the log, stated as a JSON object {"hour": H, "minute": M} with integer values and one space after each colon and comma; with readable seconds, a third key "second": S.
{"hour": 12, "minute": 49, "second": 54}
